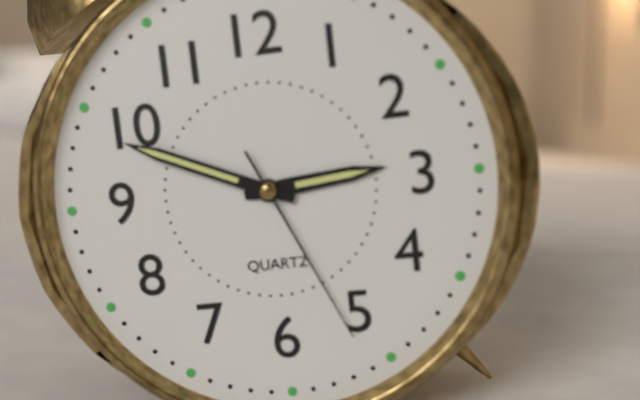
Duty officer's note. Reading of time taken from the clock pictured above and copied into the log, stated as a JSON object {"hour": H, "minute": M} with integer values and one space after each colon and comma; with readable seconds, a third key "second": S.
{"hour": 2, "minute": 49, "second": 26}
